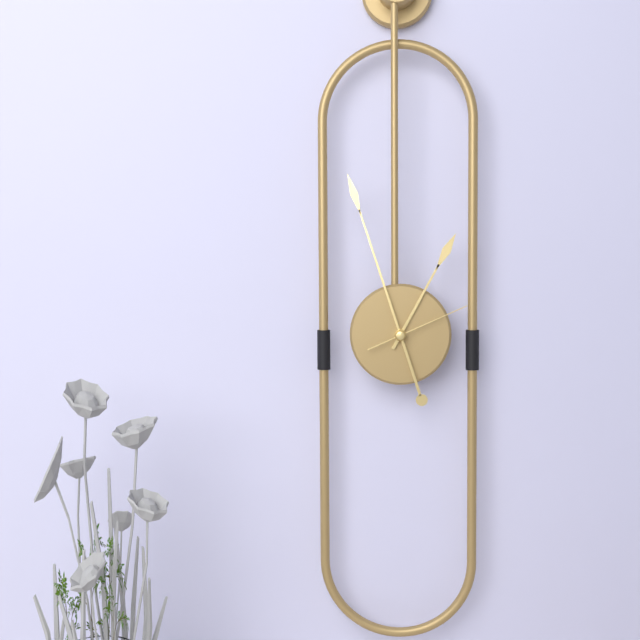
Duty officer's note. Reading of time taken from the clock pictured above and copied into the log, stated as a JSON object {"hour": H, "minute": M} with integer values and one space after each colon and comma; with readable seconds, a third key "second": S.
{"hour": 12, "minute": 57, "second": 11}
